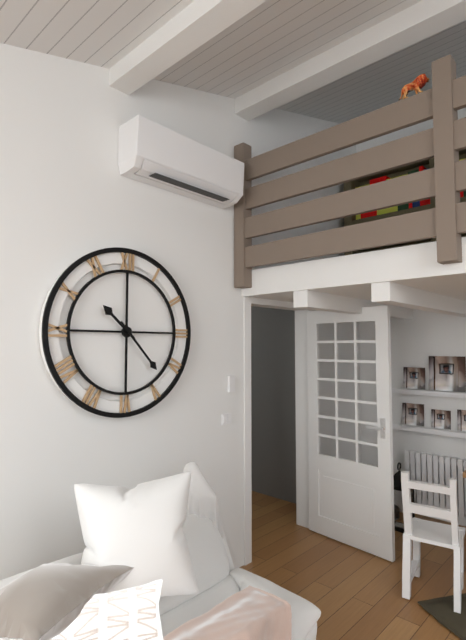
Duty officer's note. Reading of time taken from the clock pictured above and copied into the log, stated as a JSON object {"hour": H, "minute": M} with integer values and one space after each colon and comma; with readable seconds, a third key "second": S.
{"hour": 10, "minute": 23}
